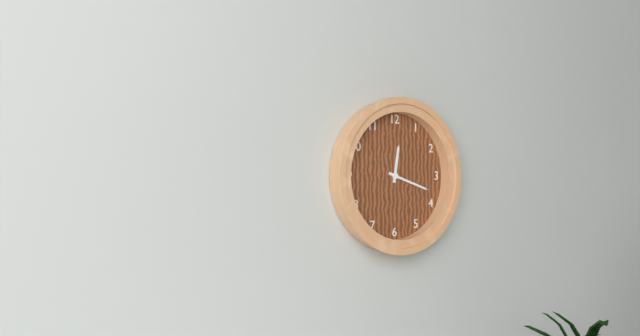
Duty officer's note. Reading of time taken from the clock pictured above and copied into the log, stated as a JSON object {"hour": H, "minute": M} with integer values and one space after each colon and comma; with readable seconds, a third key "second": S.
{"hour": 12, "minute": 18}
